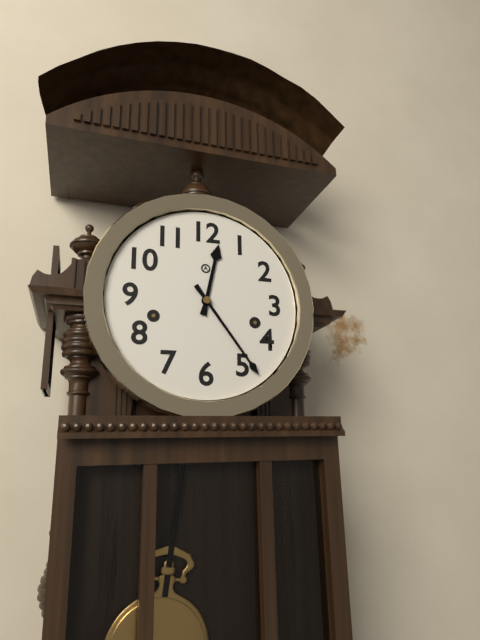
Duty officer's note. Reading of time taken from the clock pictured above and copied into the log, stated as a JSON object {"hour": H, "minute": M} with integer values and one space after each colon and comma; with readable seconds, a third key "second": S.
{"hour": 12, "minute": 24}
